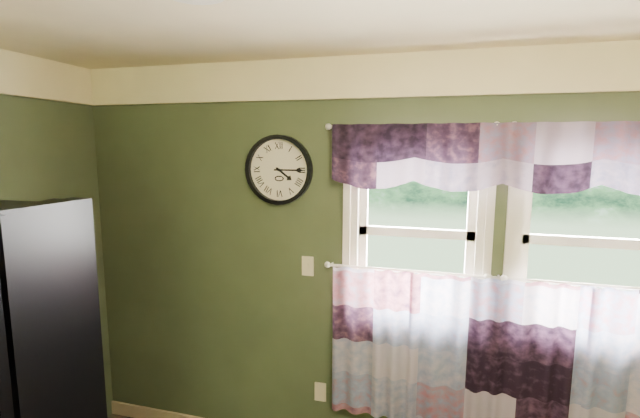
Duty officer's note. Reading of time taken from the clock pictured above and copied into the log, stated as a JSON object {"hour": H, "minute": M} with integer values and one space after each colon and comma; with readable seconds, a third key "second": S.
{"hour": 4, "minute": 15}
